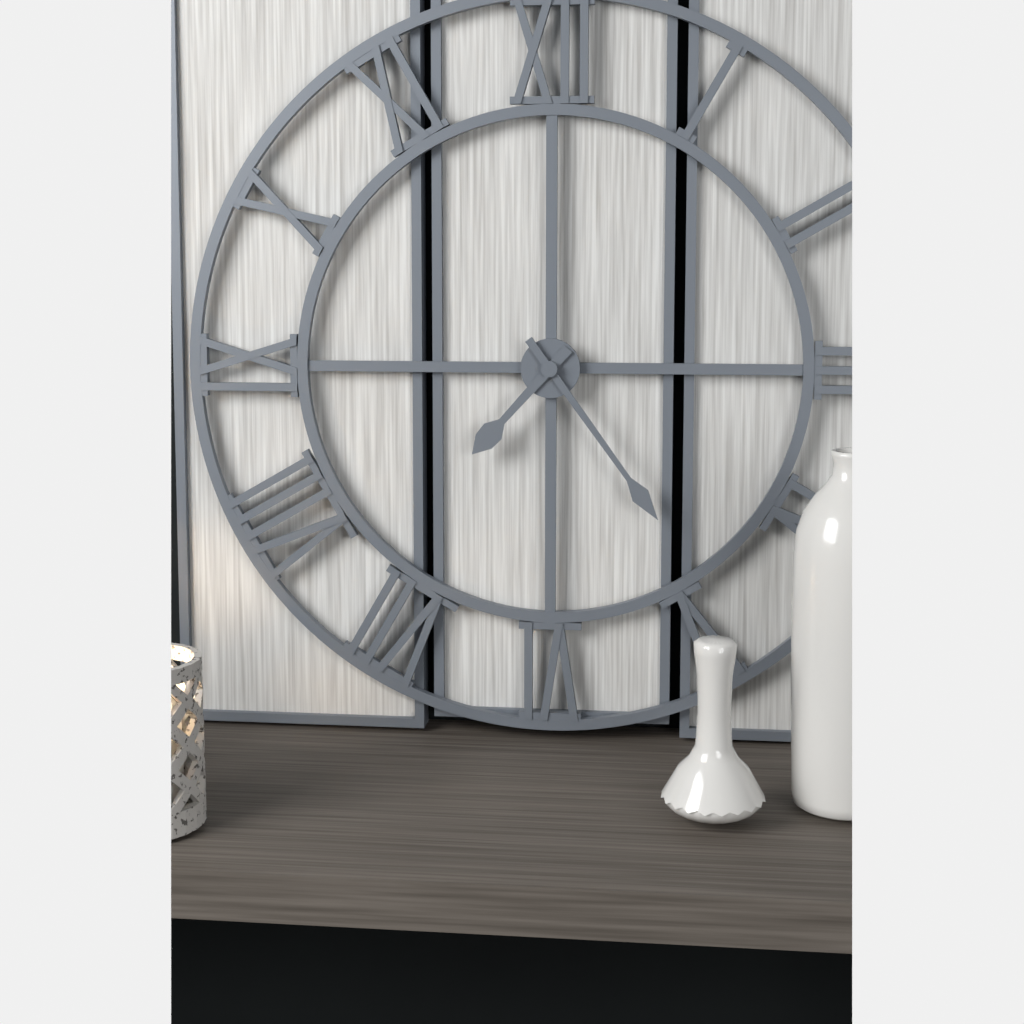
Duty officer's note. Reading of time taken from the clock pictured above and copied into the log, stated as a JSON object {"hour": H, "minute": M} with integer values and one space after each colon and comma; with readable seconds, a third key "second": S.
{"hour": 7, "minute": 24}
